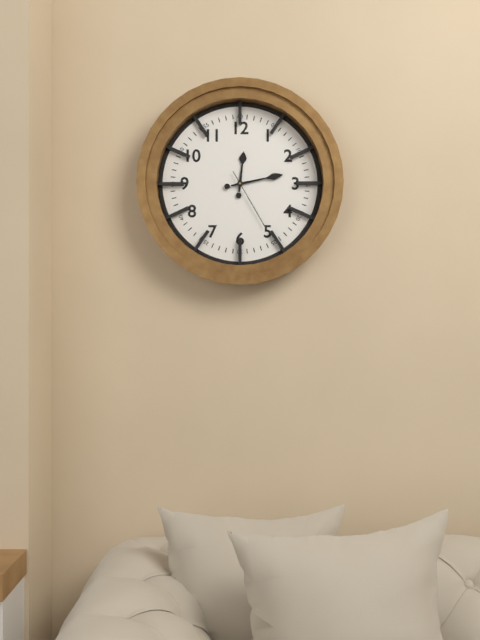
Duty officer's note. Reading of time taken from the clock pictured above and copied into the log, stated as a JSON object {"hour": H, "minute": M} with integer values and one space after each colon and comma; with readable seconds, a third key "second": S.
{"hour": 12, "minute": 13, "second": 25}
